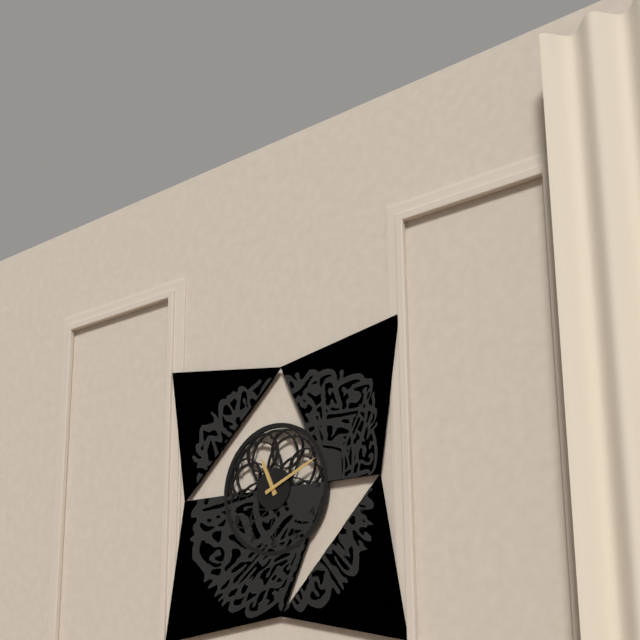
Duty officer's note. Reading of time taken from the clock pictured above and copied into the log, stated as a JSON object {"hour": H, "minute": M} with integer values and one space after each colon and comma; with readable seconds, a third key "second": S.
{"hour": 11, "minute": 11}
